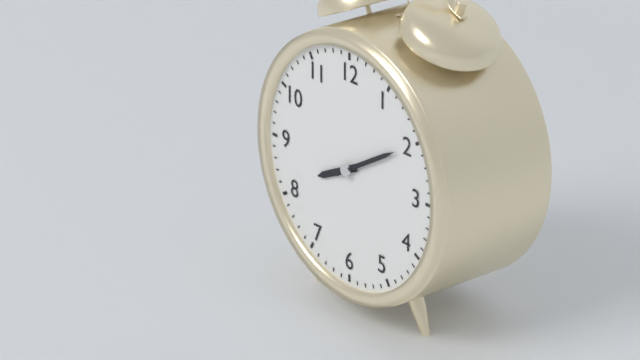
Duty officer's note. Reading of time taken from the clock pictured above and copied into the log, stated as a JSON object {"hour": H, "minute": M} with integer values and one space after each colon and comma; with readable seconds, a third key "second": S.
{"hour": 8, "minute": 10}
